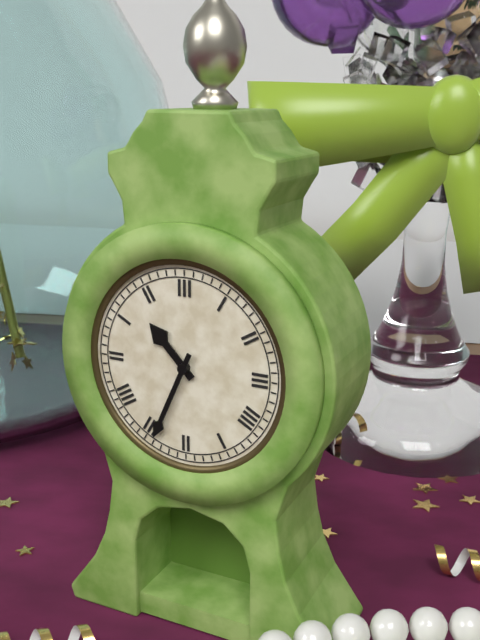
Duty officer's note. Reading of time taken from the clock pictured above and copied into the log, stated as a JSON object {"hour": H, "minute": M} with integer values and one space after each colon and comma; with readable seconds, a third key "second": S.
{"hour": 10, "minute": 34}
